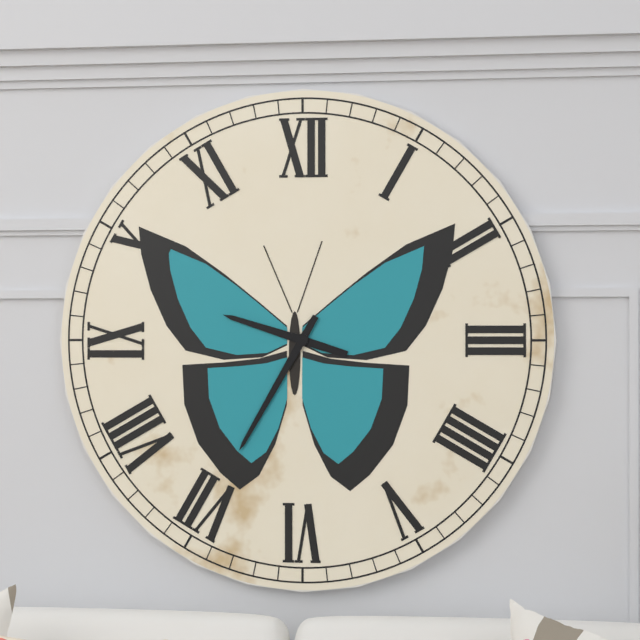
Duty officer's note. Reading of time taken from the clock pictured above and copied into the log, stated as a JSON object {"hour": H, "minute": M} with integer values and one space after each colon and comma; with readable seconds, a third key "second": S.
{"hour": 9, "minute": 35}
